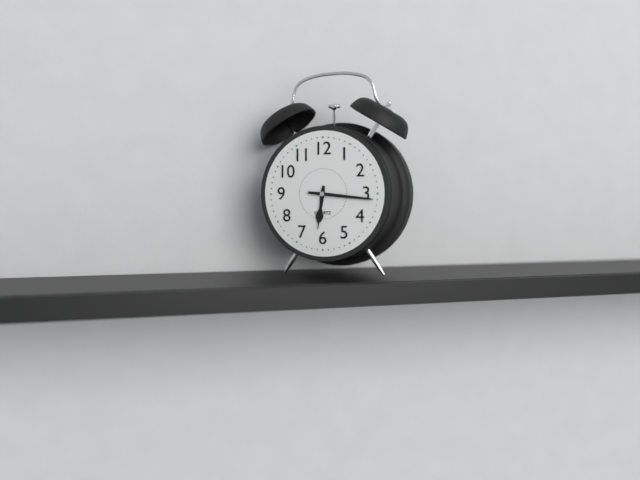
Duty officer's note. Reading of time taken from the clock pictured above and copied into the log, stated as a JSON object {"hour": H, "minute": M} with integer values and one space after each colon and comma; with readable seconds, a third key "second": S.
{"hour": 6, "minute": 16}
